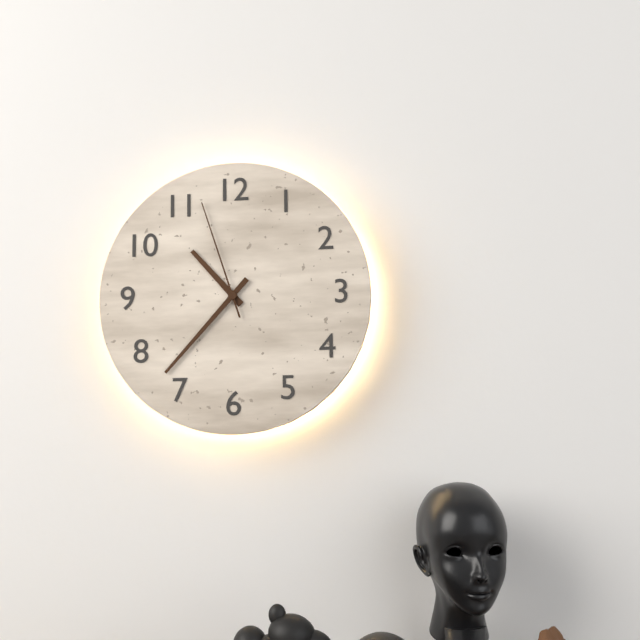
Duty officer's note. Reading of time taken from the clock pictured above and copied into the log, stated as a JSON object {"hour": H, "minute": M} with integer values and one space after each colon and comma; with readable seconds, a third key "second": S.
{"hour": 10, "minute": 37, "second": 57}
